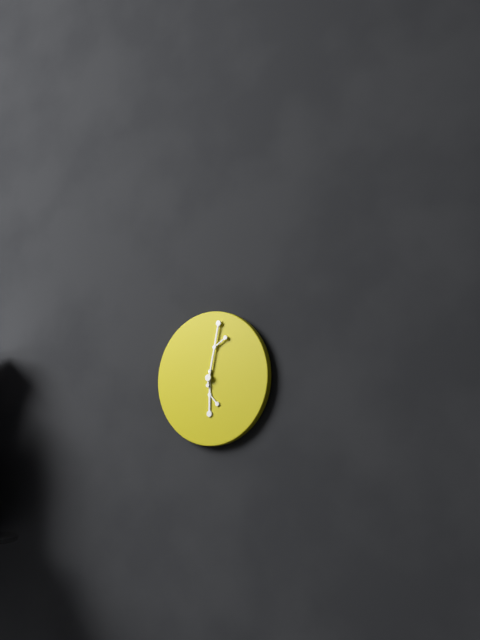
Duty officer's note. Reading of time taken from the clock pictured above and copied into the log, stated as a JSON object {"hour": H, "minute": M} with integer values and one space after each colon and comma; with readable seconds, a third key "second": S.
{"hour": 6, "minute": 2}
